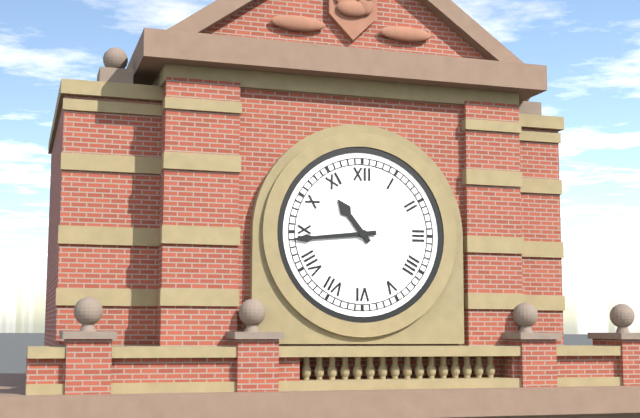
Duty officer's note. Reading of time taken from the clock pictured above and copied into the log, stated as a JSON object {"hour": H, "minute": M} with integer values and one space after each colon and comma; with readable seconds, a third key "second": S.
{"hour": 10, "minute": 44}
